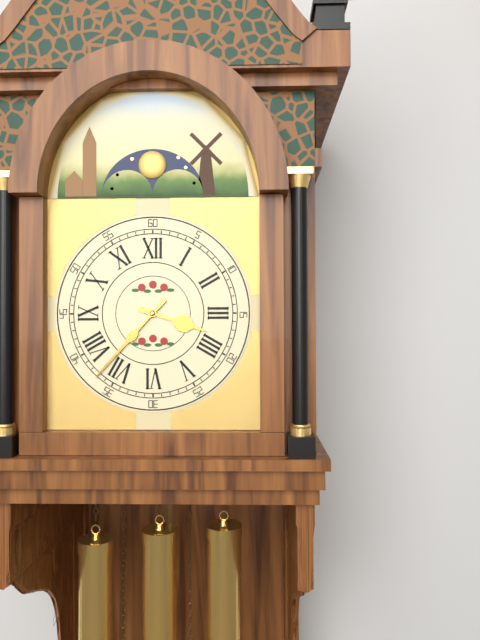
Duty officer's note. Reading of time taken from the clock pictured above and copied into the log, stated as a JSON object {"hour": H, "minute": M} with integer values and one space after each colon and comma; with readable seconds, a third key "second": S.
{"hour": 3, "minute": 37}
